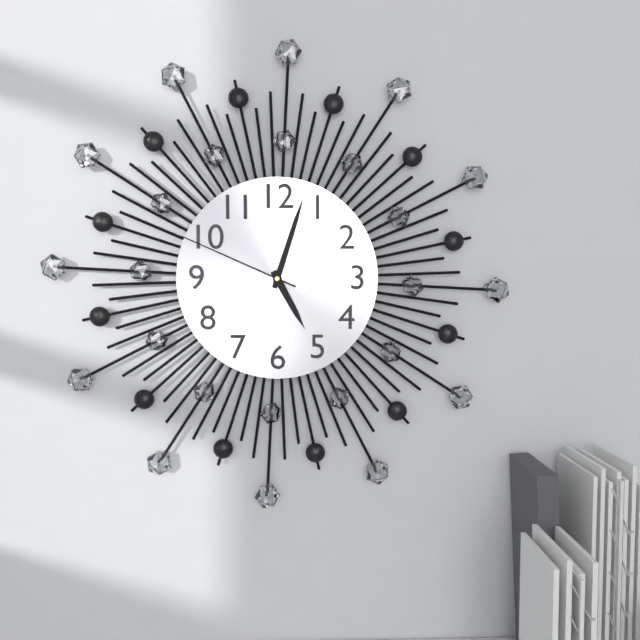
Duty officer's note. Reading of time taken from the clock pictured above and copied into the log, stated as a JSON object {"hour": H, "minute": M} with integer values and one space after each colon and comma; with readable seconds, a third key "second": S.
{"hour": 5, "minute": 3, "second": 49}
